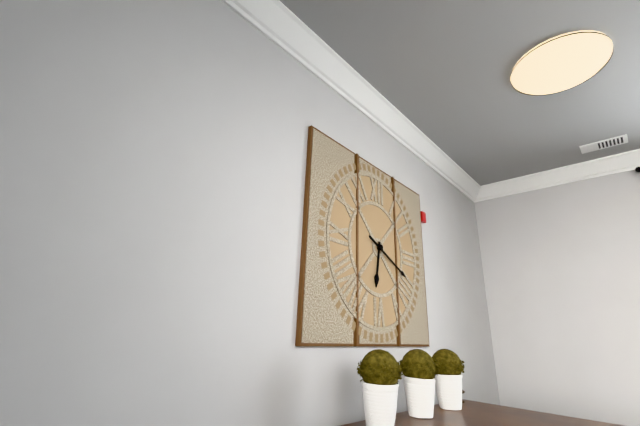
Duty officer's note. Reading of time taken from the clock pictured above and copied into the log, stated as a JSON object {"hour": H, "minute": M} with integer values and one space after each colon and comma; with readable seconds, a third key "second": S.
{"hour": 6, "minute": 19}
